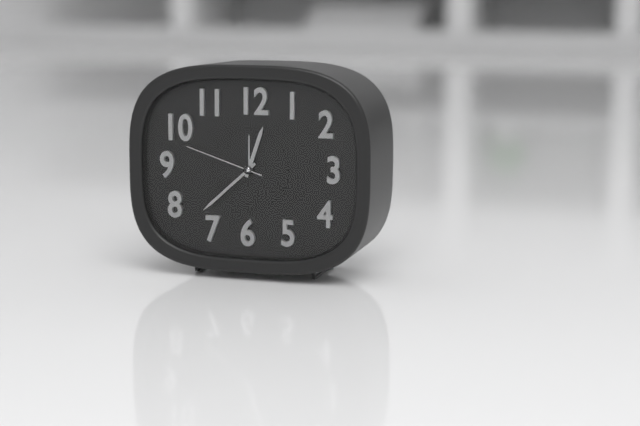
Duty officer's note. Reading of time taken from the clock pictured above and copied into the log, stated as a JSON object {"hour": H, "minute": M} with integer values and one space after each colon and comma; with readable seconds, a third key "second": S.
{"hour": 12, "minute": 38, "second": 48}
